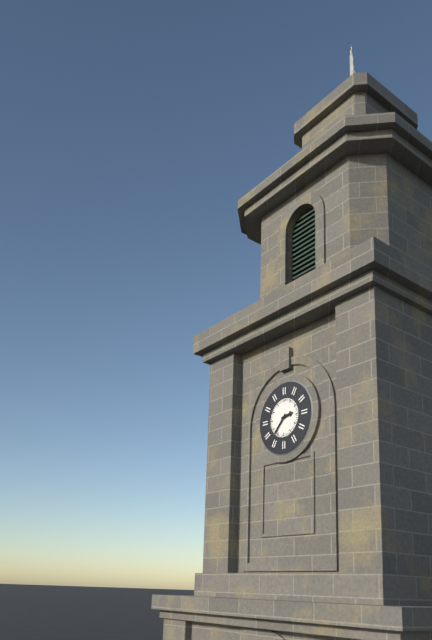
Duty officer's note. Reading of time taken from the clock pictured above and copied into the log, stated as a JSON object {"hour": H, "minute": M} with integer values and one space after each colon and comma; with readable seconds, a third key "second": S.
{"hour": 2, "minute": 37}
